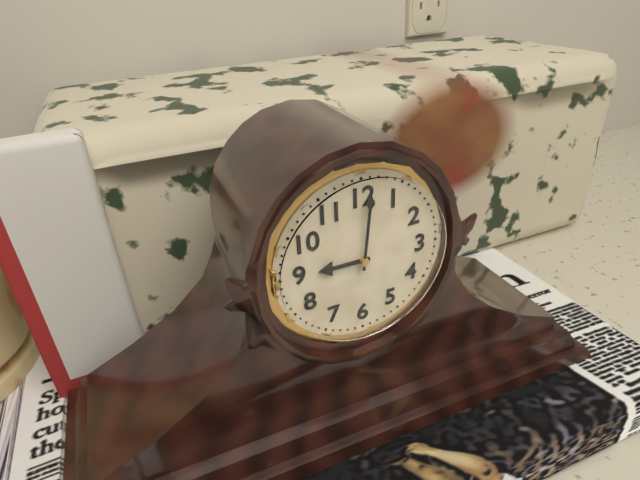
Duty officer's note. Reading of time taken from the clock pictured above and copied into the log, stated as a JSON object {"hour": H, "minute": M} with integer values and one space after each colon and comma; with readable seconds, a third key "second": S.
{"hour": 9, "minute": 1}
